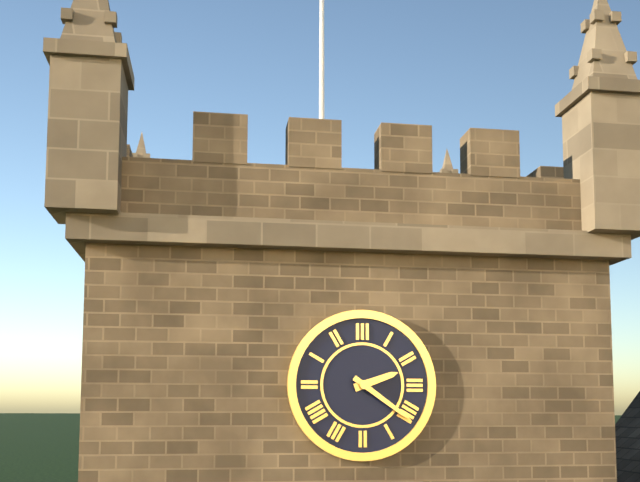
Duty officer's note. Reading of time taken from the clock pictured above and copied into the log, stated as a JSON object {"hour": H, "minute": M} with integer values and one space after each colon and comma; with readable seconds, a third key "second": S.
{"hour": 2, "minute": 21}
